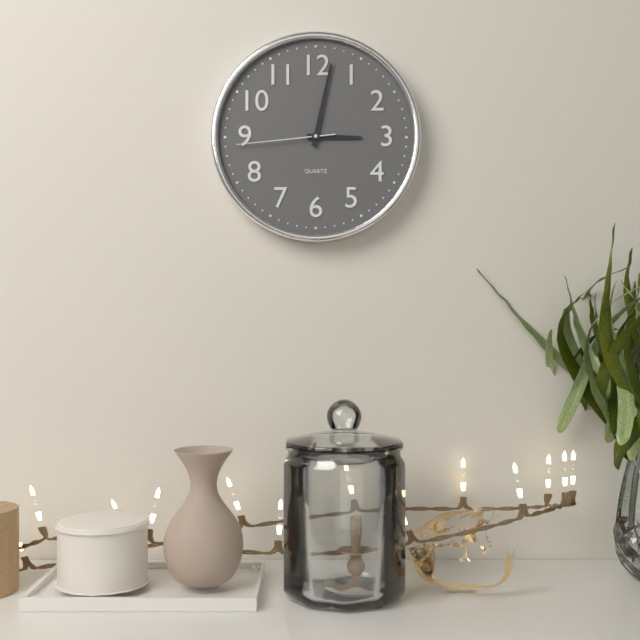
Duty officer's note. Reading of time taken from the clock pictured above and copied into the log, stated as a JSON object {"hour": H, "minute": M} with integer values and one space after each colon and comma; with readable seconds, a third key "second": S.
{"hour": 3, "minute": 2, "second": 44}
